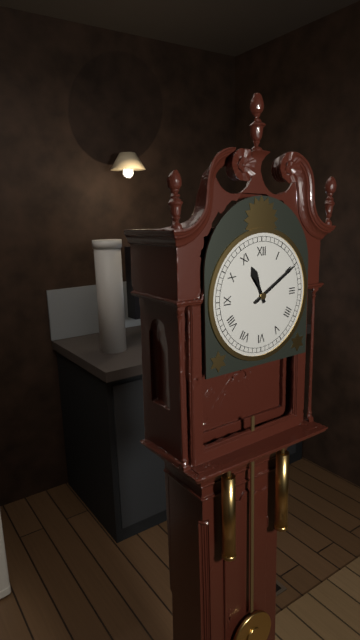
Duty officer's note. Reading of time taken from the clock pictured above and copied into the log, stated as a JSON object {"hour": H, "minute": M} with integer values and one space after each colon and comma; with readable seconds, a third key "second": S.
{"hour": 11, "minute": 10}
